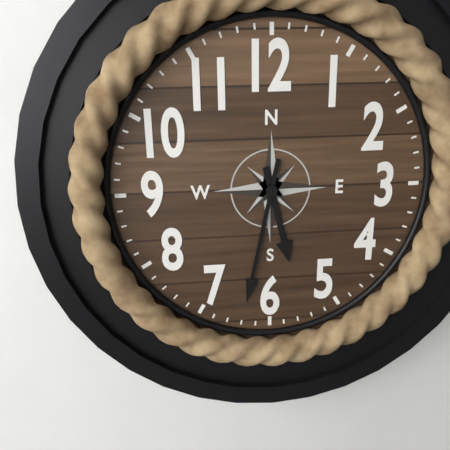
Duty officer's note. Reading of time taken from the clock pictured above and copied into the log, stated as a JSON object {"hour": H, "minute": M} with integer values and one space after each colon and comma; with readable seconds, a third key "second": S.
{"hour": 5, "minute": 32}
